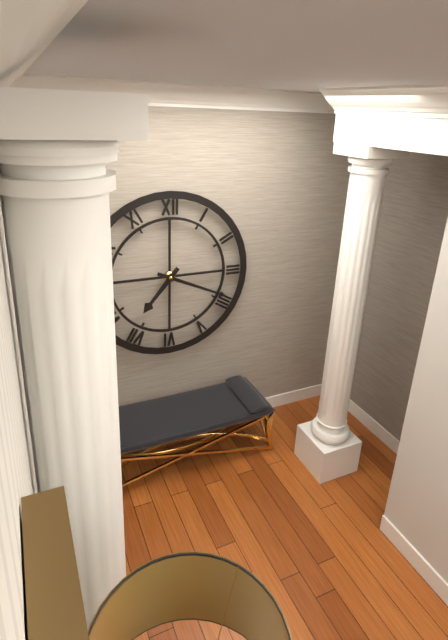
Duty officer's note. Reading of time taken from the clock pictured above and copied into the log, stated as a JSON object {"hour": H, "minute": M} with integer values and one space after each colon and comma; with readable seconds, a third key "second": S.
{"hour": 7, "minute": 19}
